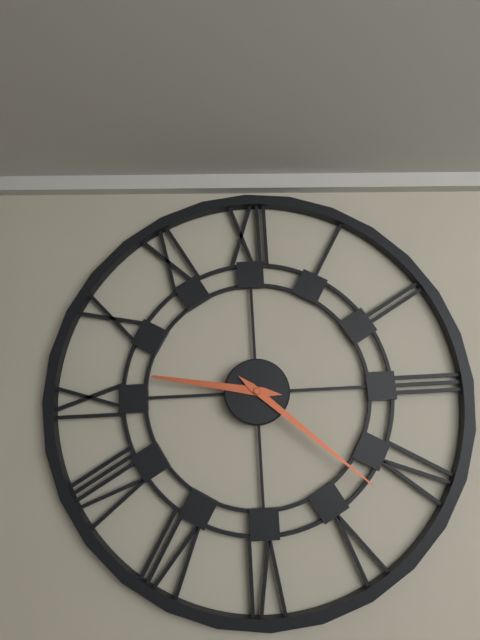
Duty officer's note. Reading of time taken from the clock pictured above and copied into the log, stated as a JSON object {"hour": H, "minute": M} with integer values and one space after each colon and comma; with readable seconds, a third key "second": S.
{"hour": 9, "minute": 22}
